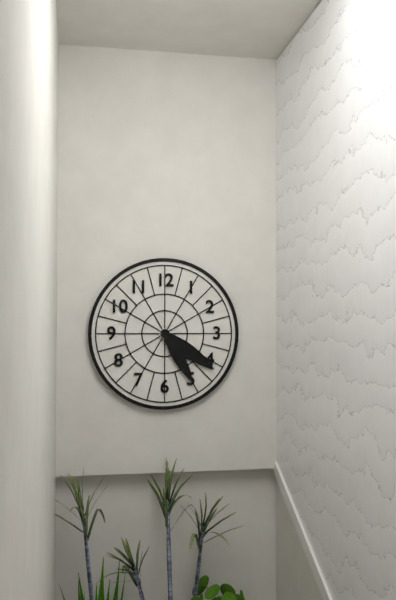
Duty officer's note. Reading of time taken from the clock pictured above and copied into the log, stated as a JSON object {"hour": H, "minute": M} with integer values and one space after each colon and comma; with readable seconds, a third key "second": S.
{"hour": 4, "minute": 21, "second": 25}
